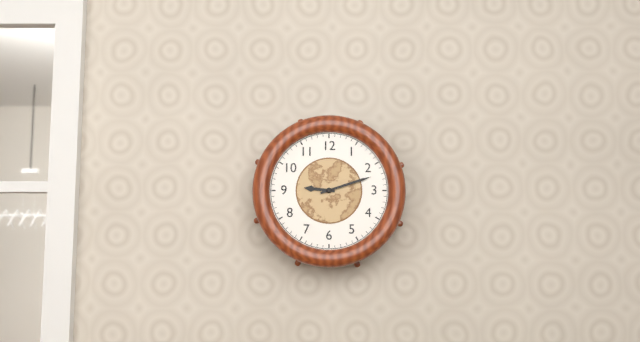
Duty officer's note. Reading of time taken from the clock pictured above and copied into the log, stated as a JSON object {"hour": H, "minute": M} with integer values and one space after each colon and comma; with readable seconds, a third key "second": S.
{"hour": 9, "minute": 12}
